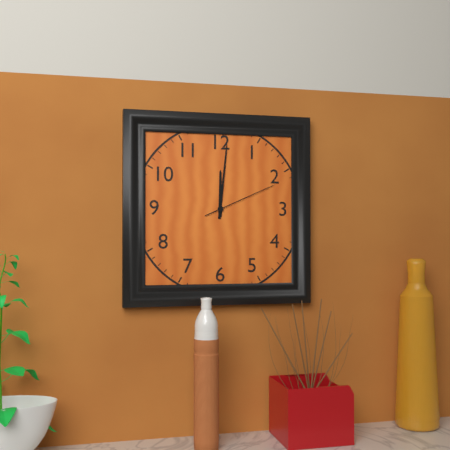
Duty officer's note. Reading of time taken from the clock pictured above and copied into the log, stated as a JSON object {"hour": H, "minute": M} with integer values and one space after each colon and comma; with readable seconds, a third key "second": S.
{"hour": 12, "minute": 1, "second": 11}
